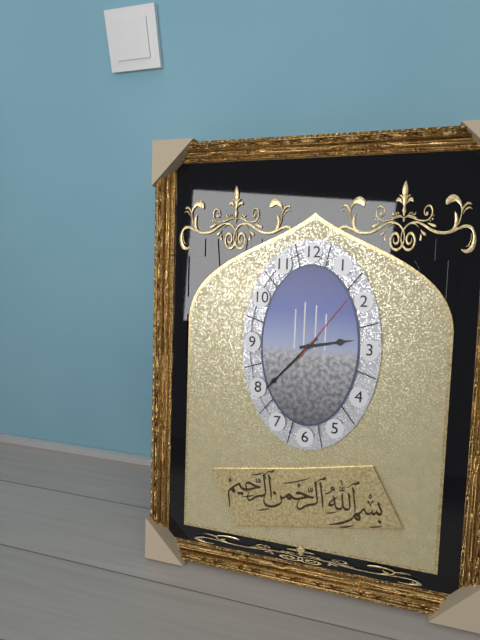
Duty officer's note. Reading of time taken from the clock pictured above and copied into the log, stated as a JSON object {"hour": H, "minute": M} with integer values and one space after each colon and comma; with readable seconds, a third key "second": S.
{"hour": 2, "minute": 37, "second": 6}
